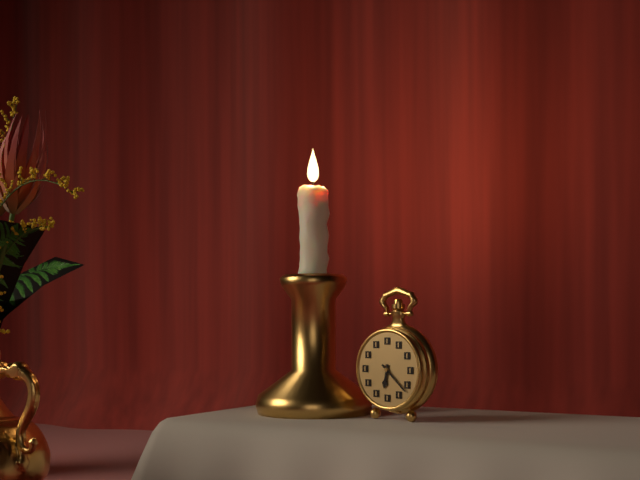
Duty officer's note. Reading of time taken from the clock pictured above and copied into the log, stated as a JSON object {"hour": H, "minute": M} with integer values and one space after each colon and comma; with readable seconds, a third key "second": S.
{"hour": 6, "minute": 22}
